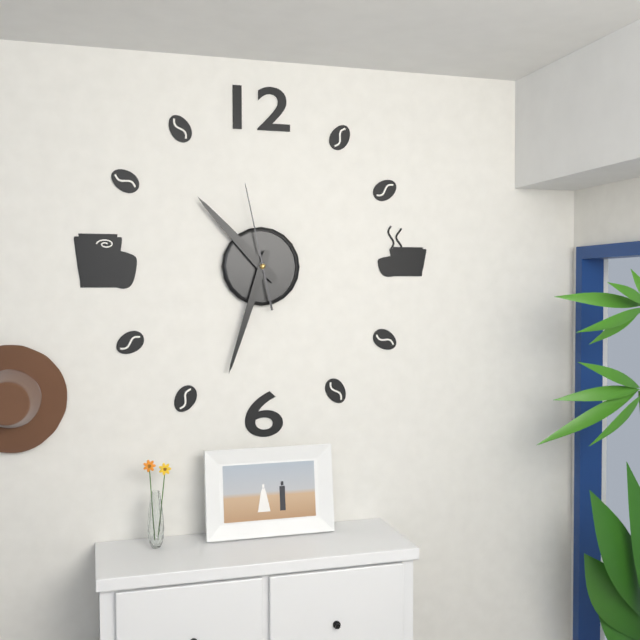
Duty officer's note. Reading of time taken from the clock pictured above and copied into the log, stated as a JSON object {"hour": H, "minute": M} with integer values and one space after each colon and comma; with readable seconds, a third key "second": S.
{"hour": 10, "minute": 33, "second": 58}
